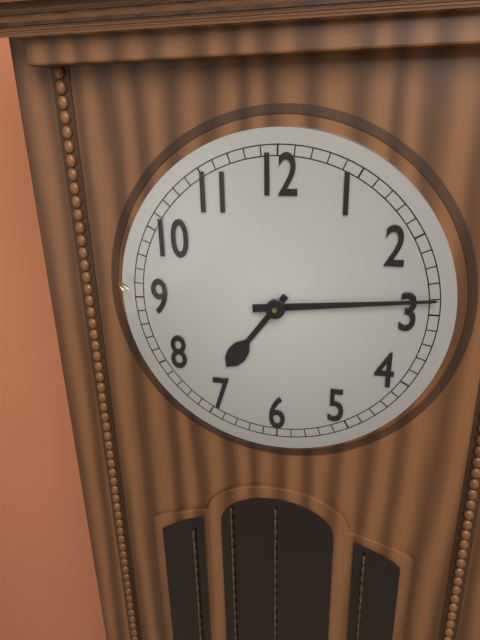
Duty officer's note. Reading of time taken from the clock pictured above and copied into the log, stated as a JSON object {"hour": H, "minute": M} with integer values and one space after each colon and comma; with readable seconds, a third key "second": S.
{"hour": 7, "minute": 14}
